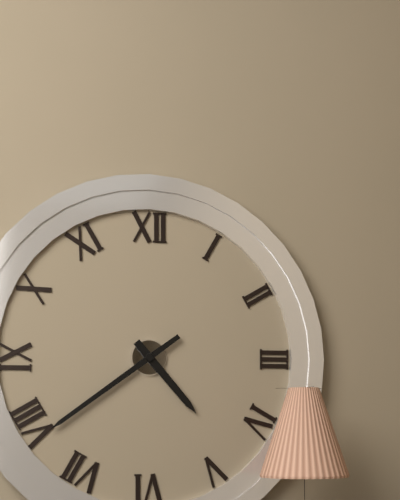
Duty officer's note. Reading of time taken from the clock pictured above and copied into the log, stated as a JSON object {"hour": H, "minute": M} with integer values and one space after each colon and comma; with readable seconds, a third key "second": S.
{"hour": 4, "minute": 39}
